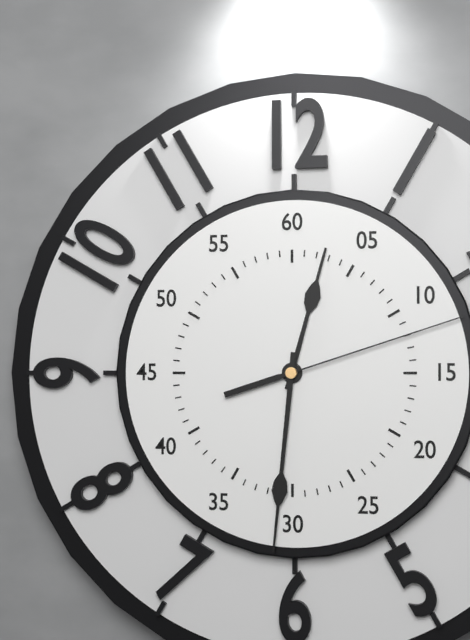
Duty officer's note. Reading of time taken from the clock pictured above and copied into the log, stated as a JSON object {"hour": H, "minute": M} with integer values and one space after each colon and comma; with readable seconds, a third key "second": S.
{"hour": 12, "minute": 31, "second": 12}
